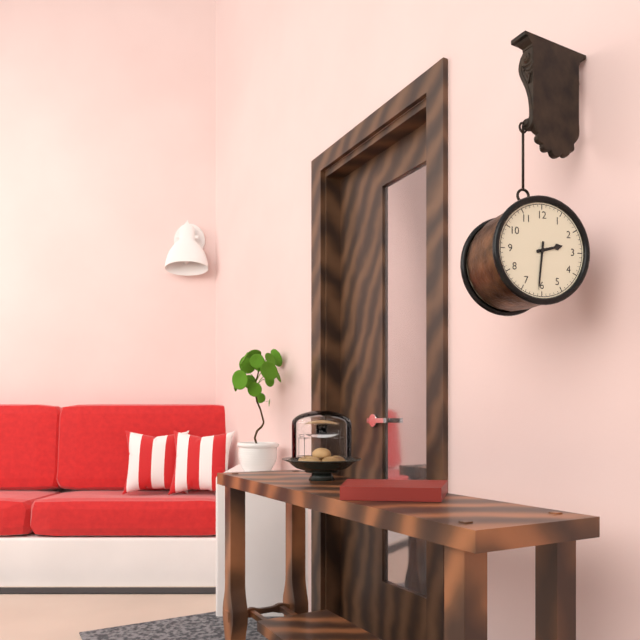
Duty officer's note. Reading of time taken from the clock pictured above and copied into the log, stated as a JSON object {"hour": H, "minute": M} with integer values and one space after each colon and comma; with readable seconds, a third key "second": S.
{"hour": 2, "minute": 31}
